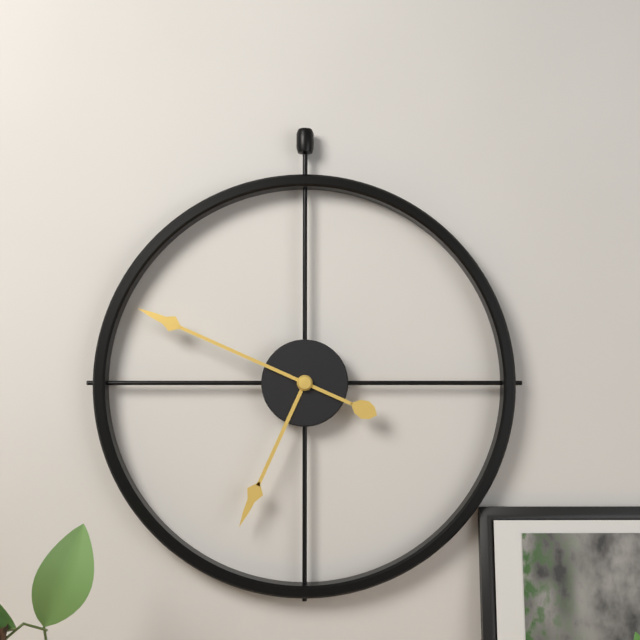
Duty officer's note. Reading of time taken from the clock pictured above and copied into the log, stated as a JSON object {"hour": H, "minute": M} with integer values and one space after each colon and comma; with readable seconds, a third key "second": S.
{"hour": 6, "minute": 49}
